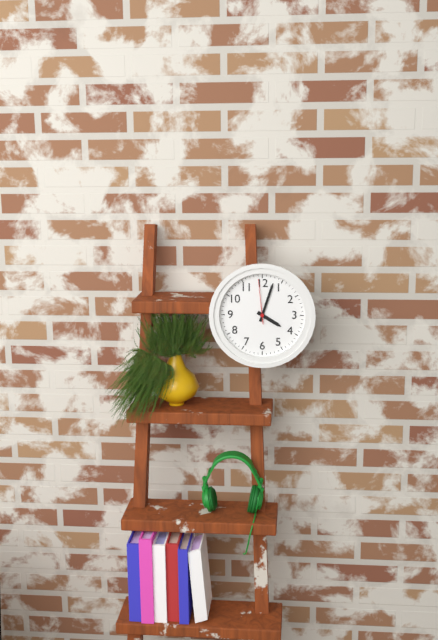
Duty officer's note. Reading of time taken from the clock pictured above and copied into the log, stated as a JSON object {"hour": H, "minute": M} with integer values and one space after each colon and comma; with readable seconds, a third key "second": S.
{"hour": 4, "minute": 3}
